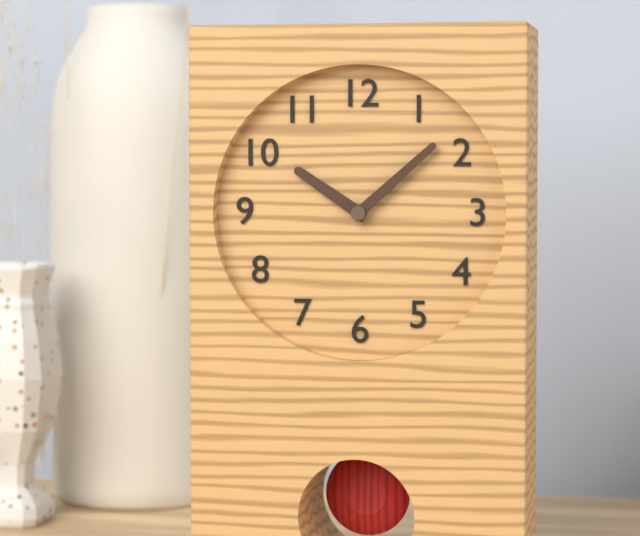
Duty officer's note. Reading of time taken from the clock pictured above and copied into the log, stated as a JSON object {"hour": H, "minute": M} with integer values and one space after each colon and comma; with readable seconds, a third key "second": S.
{"hour": 10, "minute": 8}
